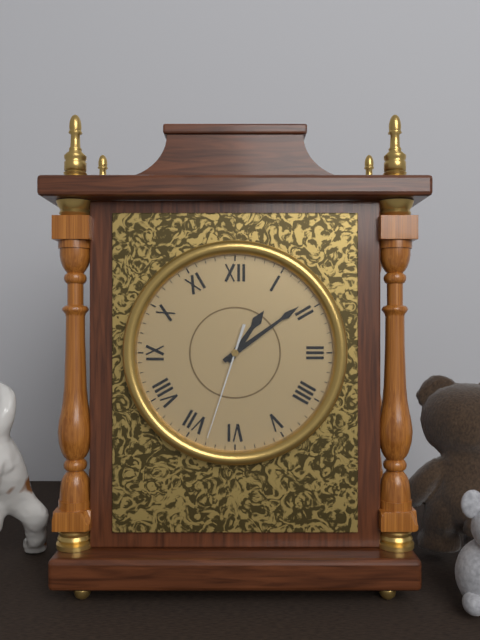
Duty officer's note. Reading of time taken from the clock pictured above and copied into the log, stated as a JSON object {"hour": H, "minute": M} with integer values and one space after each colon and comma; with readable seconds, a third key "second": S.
{"hour": 1, "minute": 9, "second": 33}
